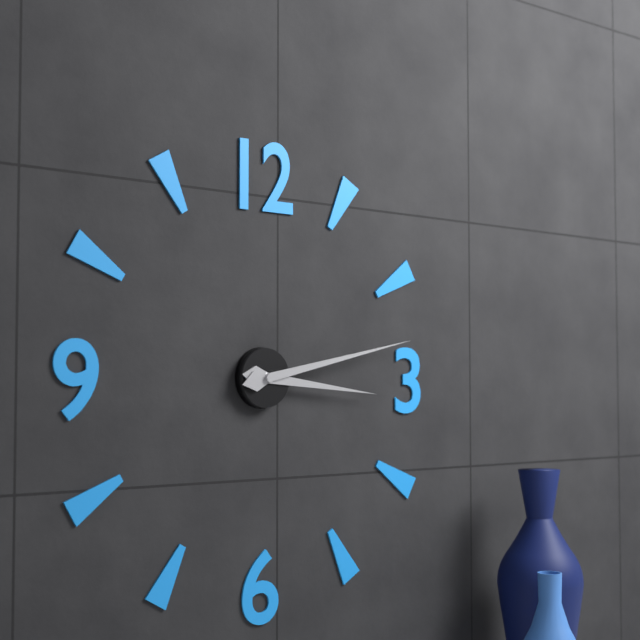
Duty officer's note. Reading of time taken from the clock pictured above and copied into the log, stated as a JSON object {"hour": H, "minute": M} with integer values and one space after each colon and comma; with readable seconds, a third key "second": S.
{"hour": 3, "minute": 13}
